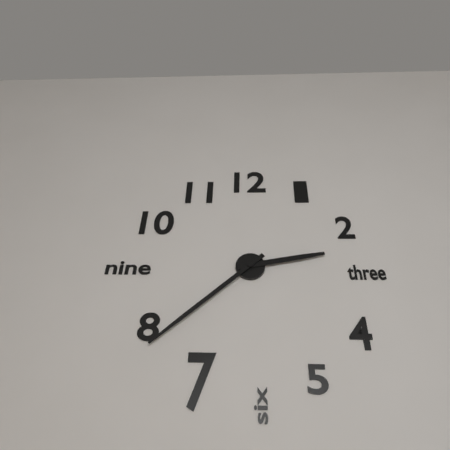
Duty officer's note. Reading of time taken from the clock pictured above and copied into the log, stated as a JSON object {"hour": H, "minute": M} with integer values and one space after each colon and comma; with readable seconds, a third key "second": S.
{"hour": 2, "minute": 38}
